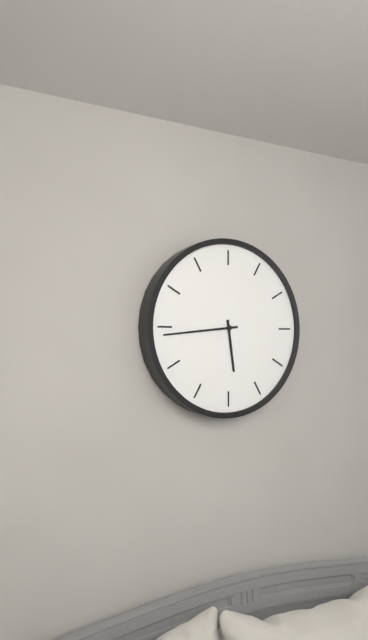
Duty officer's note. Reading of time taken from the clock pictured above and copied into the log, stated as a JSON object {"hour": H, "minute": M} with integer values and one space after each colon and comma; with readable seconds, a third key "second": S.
{"hour": 5, "minute": 44}
